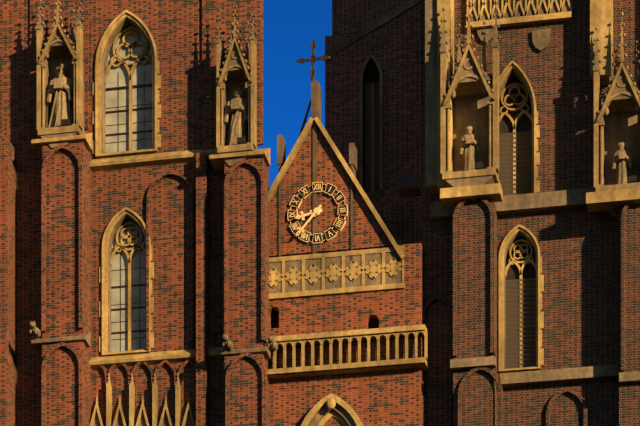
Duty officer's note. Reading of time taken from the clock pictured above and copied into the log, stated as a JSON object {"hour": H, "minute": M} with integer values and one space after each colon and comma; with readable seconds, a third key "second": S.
{"hour": 8, "minute": 37}
